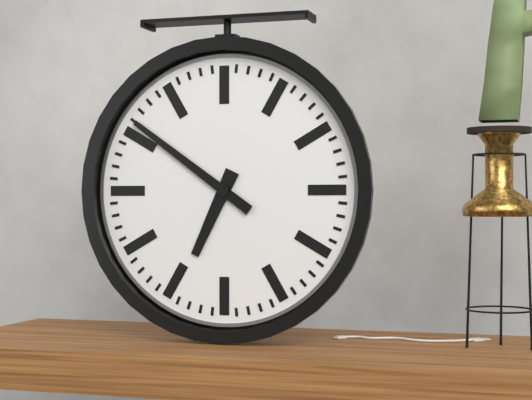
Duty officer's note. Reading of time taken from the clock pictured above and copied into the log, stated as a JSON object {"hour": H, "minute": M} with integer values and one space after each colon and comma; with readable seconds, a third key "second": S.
{"hour": 6, "minute": 51}
